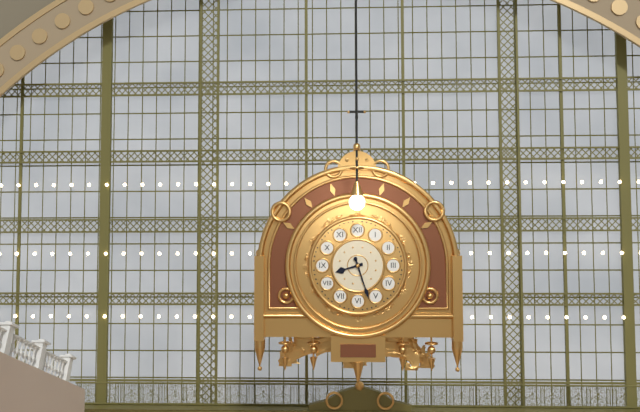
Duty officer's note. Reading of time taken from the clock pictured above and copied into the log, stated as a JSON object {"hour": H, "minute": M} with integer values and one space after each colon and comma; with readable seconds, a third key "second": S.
{"hour": 8, "minute": 27}
